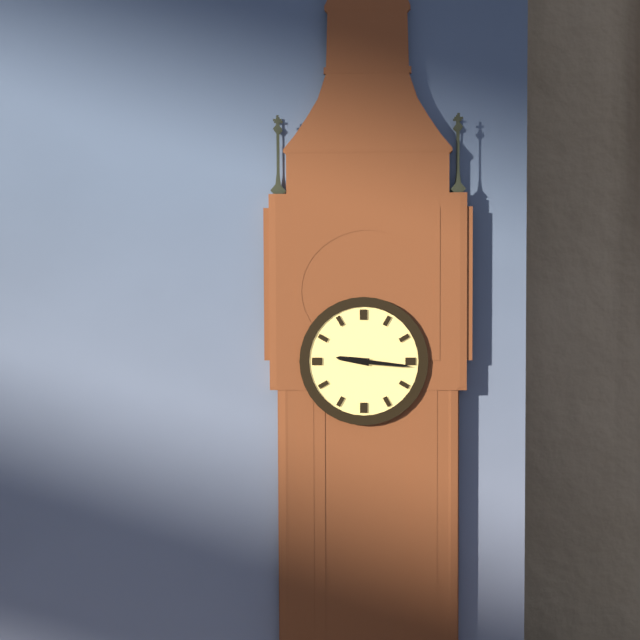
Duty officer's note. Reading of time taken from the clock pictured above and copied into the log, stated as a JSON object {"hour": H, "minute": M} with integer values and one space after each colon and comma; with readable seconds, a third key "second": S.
{"hour": 9, "minute": 16}
